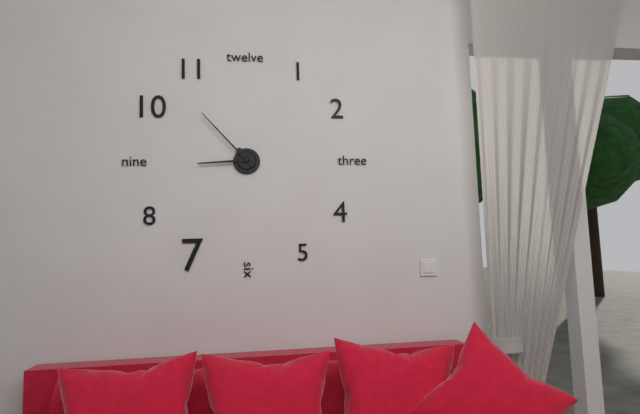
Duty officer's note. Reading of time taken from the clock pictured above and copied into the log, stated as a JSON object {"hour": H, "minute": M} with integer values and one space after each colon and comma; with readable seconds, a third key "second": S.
{"hour": 8, "minute": 53}
